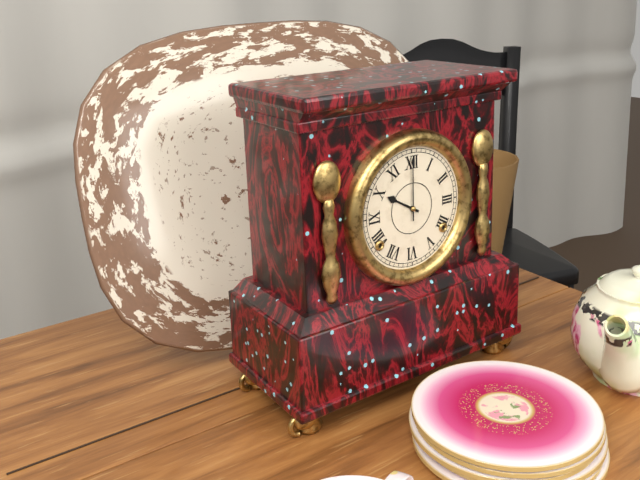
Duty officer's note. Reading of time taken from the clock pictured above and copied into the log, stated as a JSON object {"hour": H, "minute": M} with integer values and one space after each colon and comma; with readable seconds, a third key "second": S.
{"hour": 10, "minute": 0}
